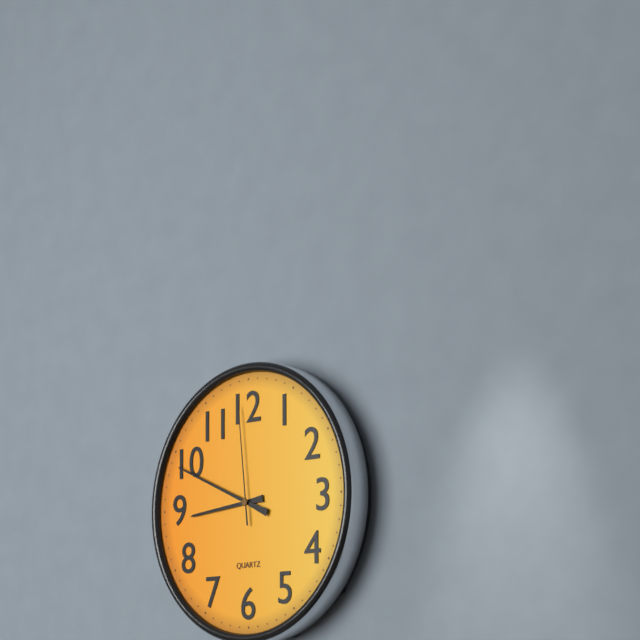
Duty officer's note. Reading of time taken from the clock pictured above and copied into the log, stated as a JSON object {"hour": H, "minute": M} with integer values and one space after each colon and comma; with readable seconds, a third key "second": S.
{"hour": 8, "minute": 49, "second": 59}
